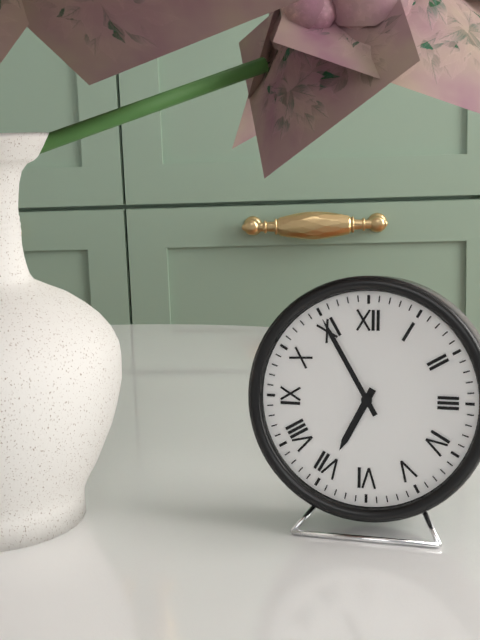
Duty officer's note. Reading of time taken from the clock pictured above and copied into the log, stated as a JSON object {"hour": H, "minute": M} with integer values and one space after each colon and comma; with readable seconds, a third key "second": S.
{"hour": 6, "minute": 55}
